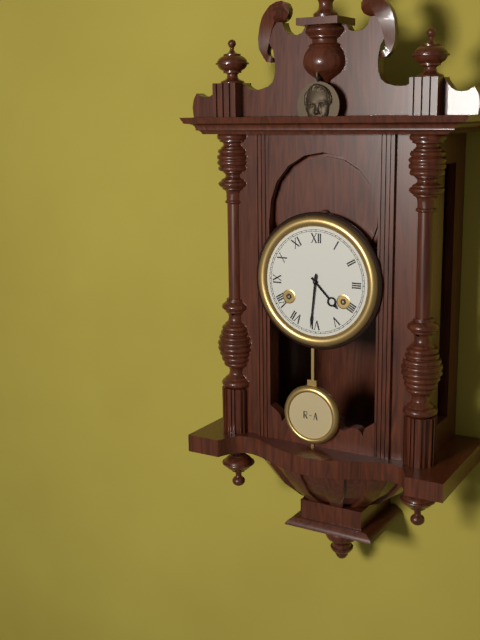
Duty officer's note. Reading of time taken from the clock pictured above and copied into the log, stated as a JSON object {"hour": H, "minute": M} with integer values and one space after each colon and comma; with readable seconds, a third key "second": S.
{"hour": 4, "minute": 31}
